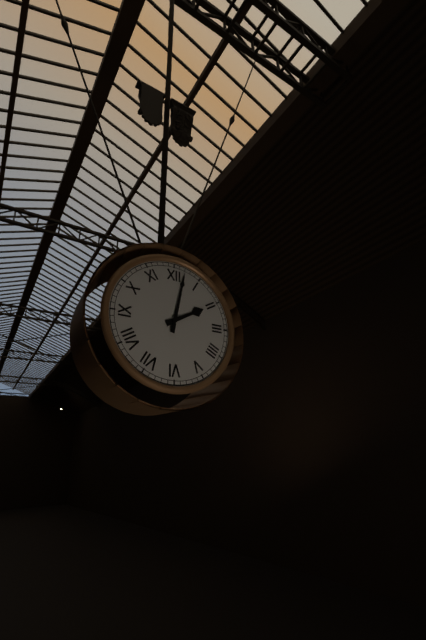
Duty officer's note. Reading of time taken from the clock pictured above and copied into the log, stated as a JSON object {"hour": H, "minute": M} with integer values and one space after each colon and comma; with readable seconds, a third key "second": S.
{"hour": 2, "minute": 2}
